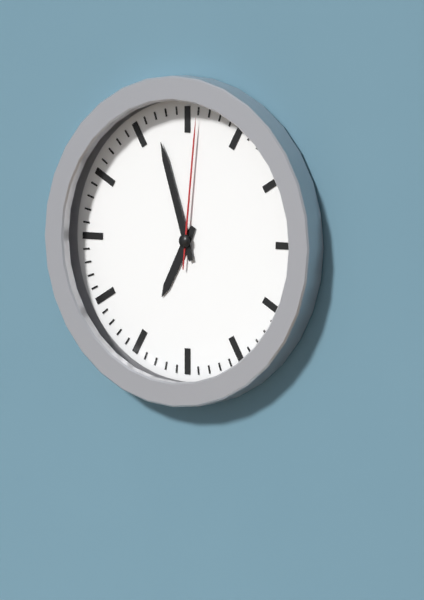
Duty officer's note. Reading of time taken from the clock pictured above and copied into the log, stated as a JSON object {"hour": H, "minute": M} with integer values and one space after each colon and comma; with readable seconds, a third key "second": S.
{"hour": 6, "minute": 57, "second": 1}
